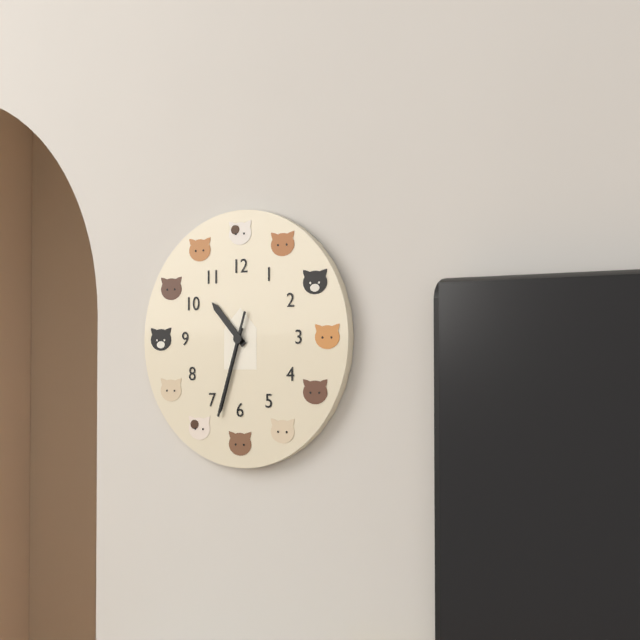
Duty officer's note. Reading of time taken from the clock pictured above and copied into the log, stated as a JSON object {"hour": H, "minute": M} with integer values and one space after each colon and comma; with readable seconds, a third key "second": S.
{"hour": 10, "minute": 33, "second": 33}
